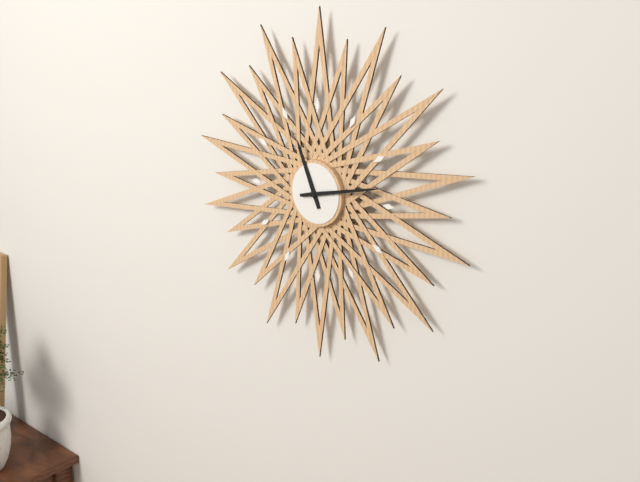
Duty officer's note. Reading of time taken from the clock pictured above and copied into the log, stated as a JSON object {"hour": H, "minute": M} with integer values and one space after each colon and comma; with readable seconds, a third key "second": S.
{"hour": 11, "minute": 13}
